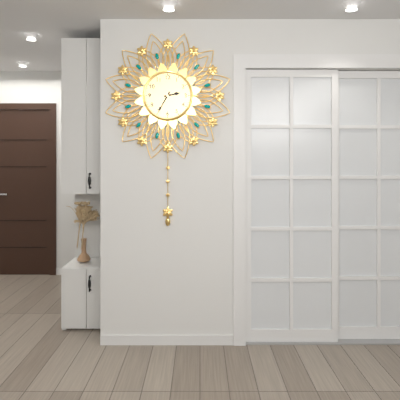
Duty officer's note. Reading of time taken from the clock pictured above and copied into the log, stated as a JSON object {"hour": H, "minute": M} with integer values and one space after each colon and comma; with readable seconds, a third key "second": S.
{"hour": 2, "minute": 35}
